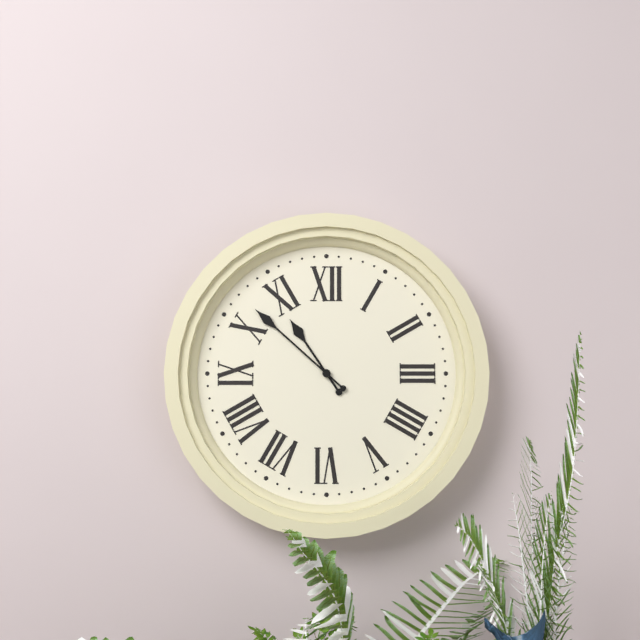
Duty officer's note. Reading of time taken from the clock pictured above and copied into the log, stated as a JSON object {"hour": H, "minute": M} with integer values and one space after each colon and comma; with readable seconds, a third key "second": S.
{"hour": 10, "minute": 52}
